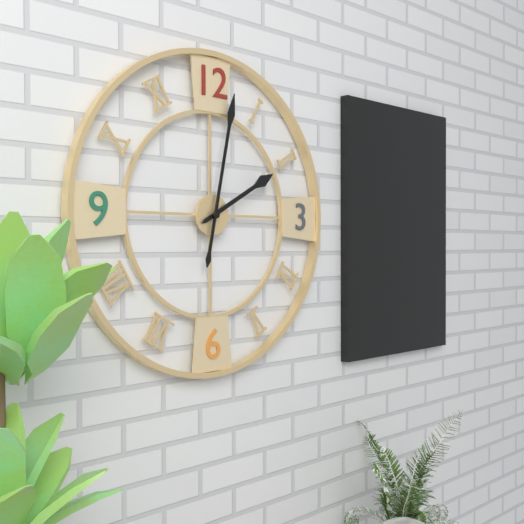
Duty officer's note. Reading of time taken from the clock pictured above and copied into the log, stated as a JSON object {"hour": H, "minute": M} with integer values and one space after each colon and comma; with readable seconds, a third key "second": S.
{"hour": 2, "minute": 2}
